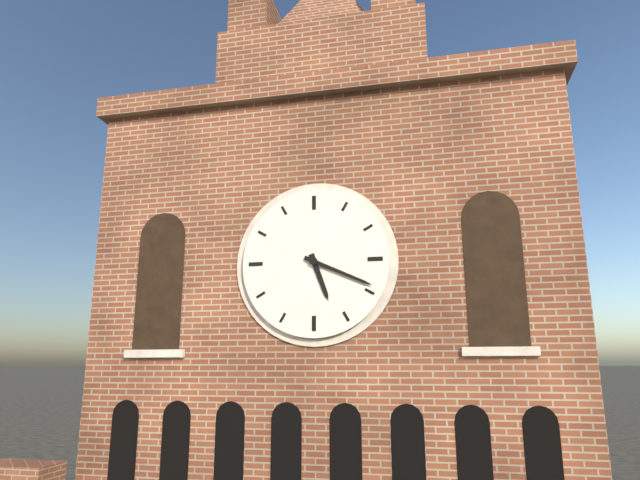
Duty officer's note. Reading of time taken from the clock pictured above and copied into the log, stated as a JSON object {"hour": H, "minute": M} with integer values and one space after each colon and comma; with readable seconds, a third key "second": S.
{"hour": 5, "minute": 19}
